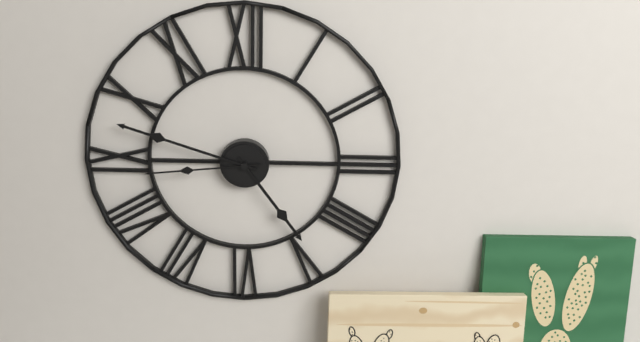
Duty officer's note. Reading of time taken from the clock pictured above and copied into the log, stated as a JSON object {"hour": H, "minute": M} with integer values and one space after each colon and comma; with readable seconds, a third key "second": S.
{"hour": 4, "minute": 48, "second": 44}
